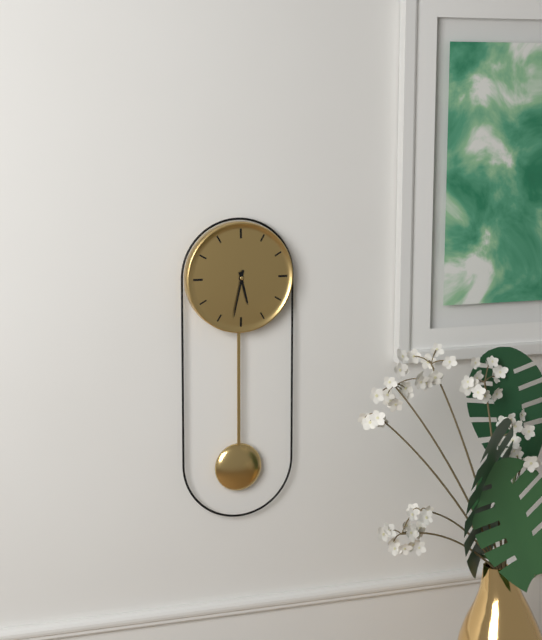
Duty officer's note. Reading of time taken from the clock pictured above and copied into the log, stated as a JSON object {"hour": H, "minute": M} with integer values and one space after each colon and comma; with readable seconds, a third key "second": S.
{"hour": 5, "minute": 32}
